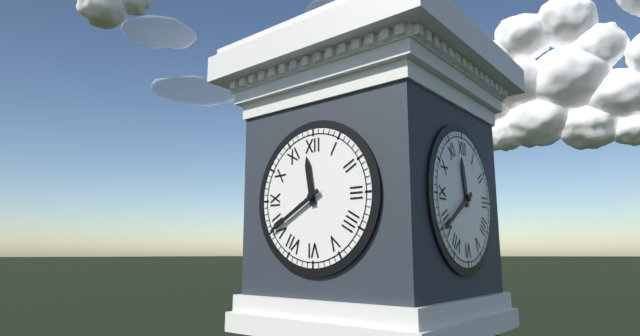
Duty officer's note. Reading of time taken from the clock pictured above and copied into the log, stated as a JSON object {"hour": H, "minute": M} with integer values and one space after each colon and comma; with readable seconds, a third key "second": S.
{"hour": 11, "minute": 40}
